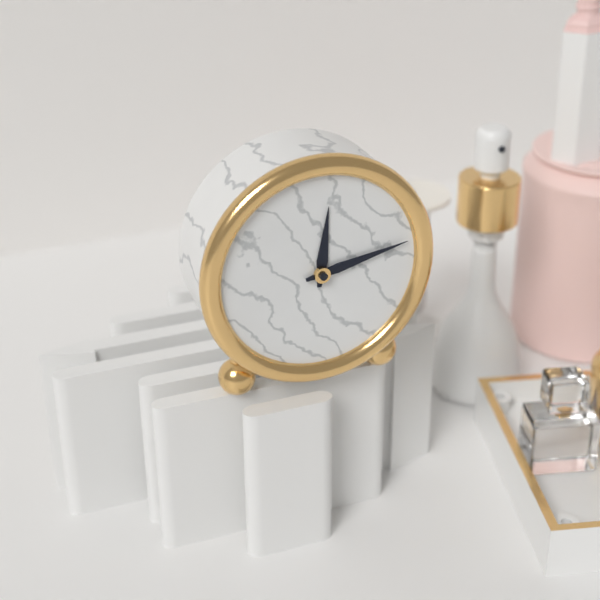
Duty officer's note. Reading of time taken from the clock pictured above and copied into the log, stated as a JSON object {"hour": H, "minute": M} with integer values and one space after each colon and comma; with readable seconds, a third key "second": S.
{"hour": 12, "minute": 13}
